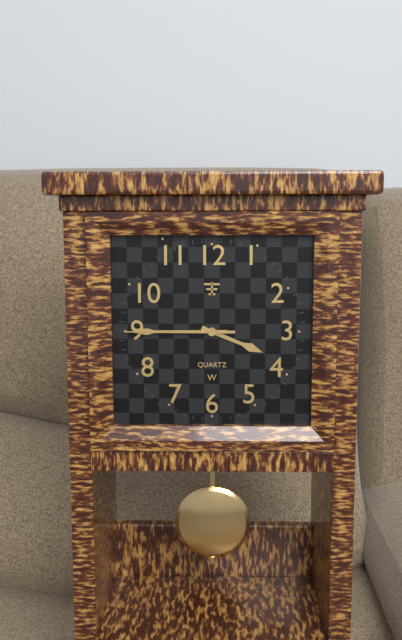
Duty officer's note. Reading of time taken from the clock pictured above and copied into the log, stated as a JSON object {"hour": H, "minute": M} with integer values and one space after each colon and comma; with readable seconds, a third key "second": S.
{"hour": 3, "minute": 45, "second": 45}
